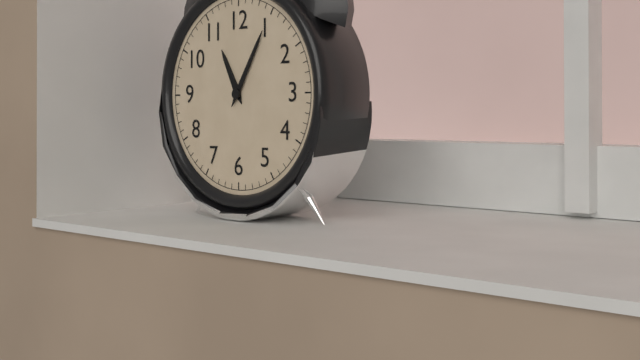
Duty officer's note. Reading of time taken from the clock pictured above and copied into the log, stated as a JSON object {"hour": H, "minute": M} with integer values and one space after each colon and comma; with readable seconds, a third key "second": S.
{"hour": 11, "minute": 5}
